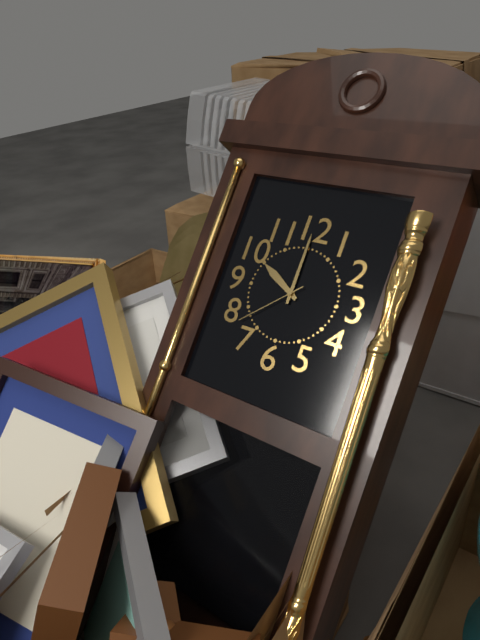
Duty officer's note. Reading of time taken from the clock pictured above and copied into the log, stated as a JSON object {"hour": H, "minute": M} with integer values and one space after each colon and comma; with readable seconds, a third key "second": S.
{"hour": 10, "minute": 0, "second": 38}
